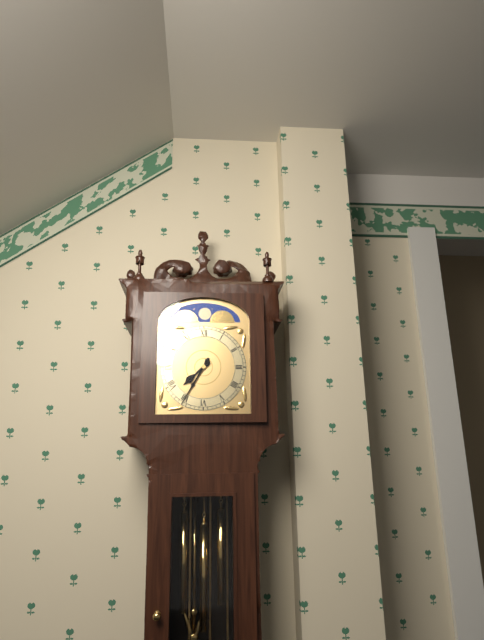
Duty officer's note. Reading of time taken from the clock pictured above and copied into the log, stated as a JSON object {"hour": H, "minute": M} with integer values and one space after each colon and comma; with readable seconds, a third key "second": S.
{"hour": 7, "minute": 35}
